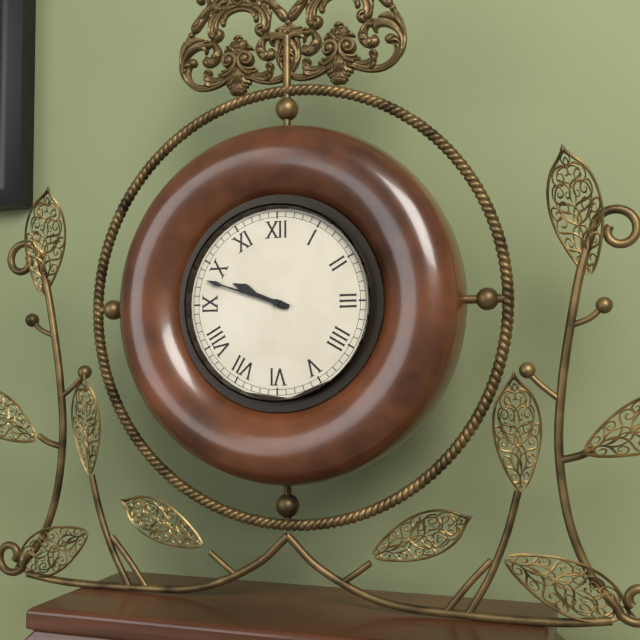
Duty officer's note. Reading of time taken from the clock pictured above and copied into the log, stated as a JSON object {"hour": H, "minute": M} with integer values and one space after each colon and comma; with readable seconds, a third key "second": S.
{"hour": 9, "minute": 48}
